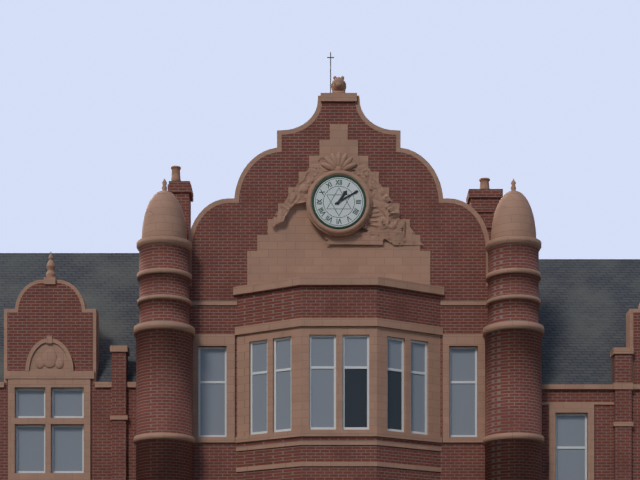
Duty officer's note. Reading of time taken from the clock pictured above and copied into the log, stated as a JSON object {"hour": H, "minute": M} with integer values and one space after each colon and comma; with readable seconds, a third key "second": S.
{"hour": 1, "minute": 10}
